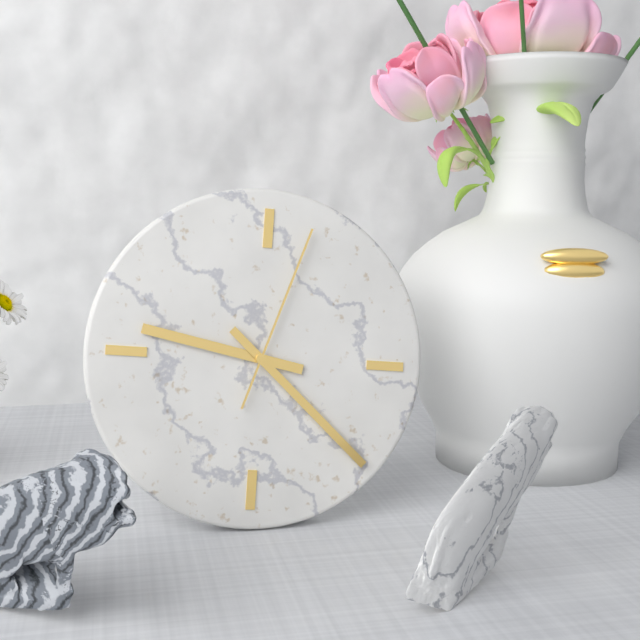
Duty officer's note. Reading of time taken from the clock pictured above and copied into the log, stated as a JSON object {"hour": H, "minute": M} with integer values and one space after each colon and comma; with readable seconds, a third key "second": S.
{"hour": 9, "minute": 22, "second": 3}
